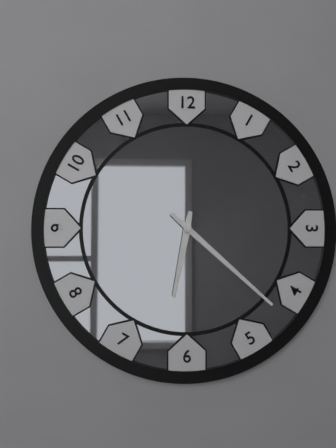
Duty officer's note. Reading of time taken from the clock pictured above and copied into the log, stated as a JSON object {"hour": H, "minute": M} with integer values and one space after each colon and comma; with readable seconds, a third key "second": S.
{"hour": 6, "minute": 22}
